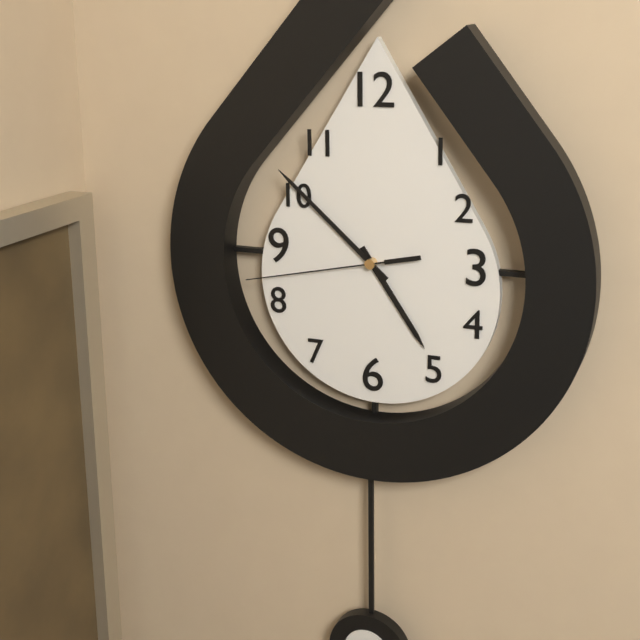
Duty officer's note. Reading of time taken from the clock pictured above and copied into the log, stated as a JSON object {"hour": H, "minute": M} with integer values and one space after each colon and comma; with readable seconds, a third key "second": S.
{"hour": 4, "minute": 52, "second": 43}
